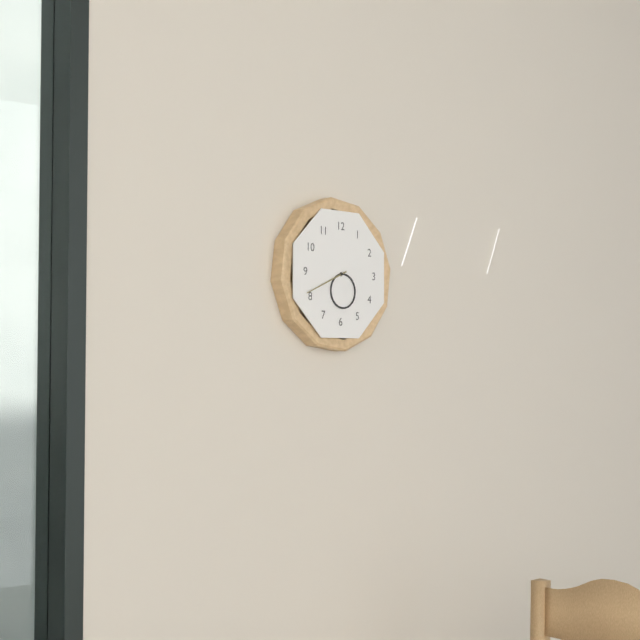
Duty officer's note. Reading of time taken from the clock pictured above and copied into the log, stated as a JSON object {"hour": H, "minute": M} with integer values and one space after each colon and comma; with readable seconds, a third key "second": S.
{"hour": 5, "minute": 41}
